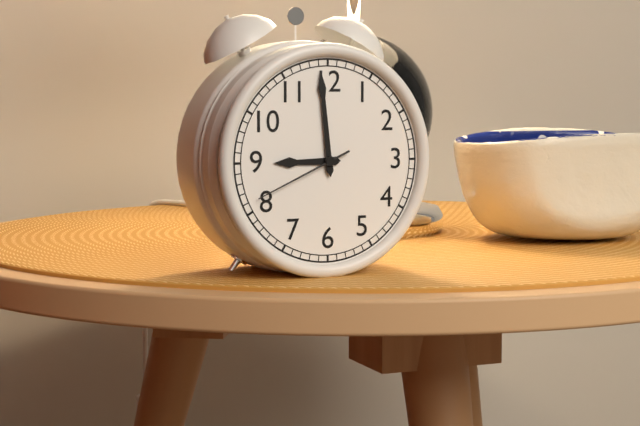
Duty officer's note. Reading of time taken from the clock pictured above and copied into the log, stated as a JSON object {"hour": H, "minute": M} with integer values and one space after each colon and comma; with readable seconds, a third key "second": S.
{"hour": 8, "minute": 59, "second": 41}
